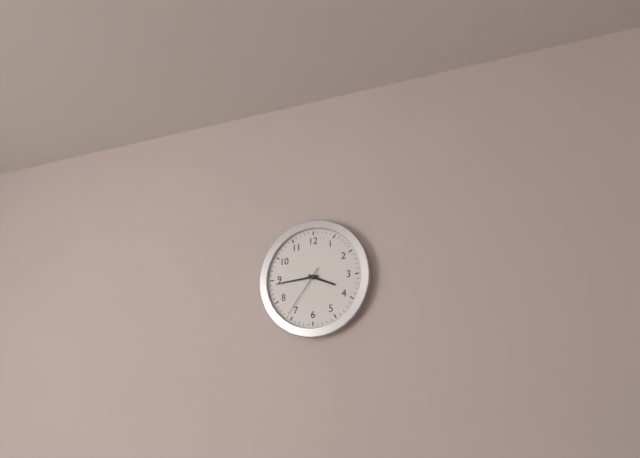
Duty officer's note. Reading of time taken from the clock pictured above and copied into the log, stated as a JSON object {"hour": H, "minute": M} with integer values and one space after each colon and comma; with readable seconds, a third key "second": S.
{"hour": 3, "minute": 44, "second": 36}
